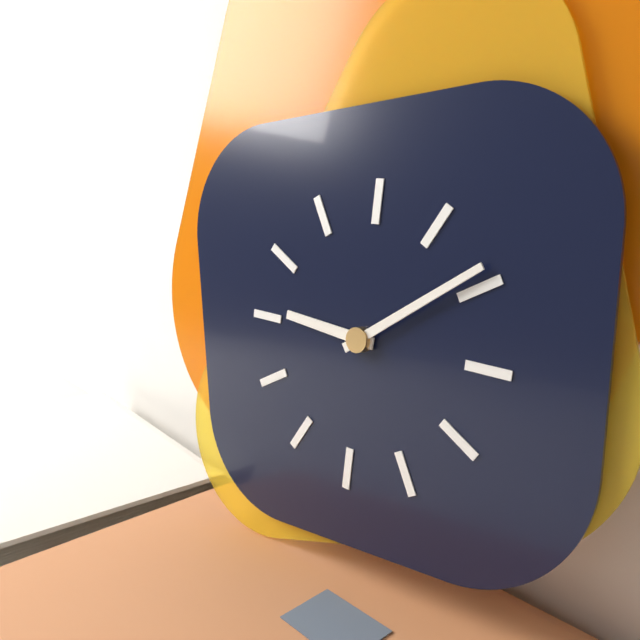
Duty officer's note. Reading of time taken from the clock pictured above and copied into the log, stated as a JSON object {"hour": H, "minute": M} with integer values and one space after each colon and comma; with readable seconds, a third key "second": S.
{"hour": 9, "minute": 9}
